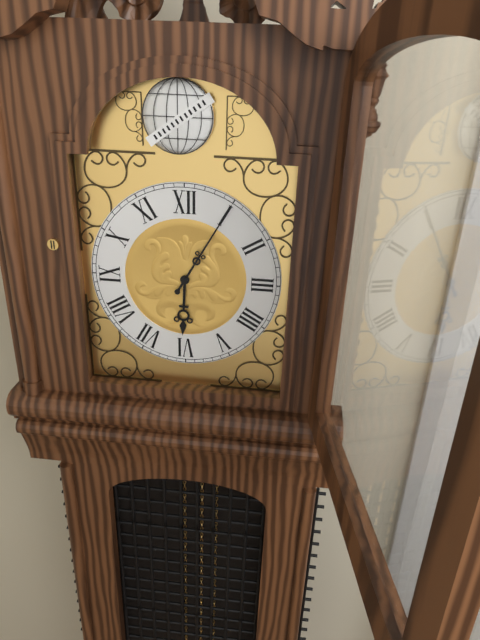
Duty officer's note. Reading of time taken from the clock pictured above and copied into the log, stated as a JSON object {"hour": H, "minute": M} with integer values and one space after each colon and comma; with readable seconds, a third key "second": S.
{"hour": 6, "minute": 5}
